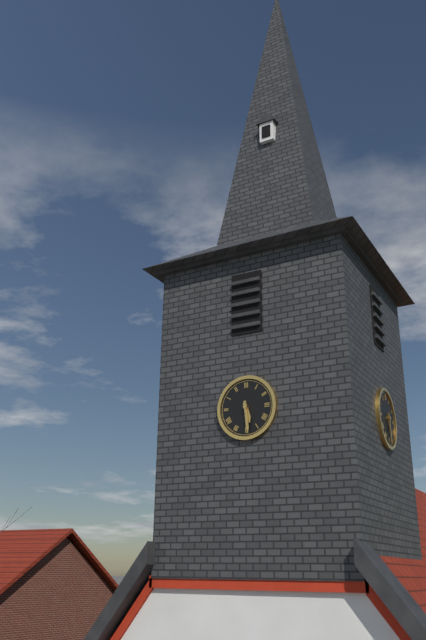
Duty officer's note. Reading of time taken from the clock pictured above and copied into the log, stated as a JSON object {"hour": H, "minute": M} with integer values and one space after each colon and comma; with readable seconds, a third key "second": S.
{"hour": 5, "minute": 29}
